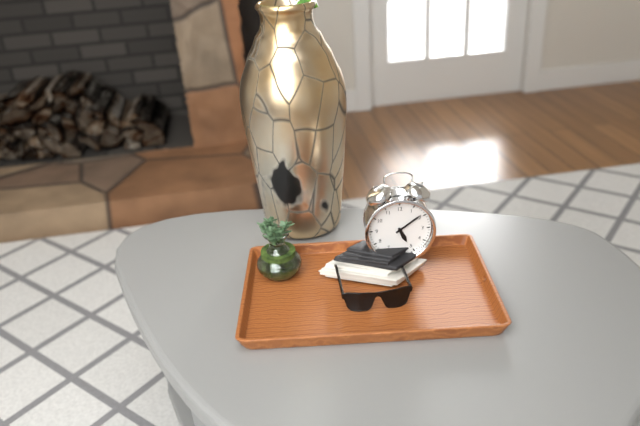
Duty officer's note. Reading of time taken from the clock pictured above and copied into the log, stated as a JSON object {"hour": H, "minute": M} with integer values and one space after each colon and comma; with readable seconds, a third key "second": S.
{"hour": 5, "minute": 9}
